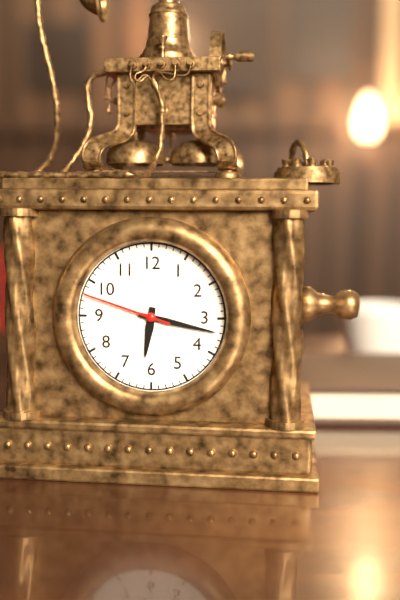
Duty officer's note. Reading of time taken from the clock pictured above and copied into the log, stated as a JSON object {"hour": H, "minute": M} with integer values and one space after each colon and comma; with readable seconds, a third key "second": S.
{"hour": 6, "minute": 17, "second": 48}
